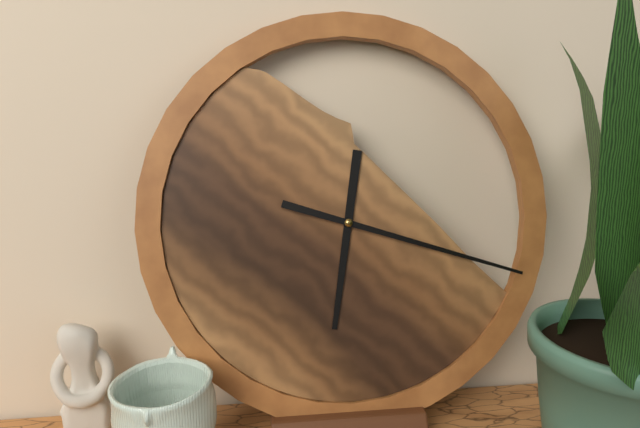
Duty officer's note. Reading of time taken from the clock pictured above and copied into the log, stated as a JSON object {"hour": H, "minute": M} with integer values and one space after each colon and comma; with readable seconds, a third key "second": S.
{"hour": 6, "minute": 18}
